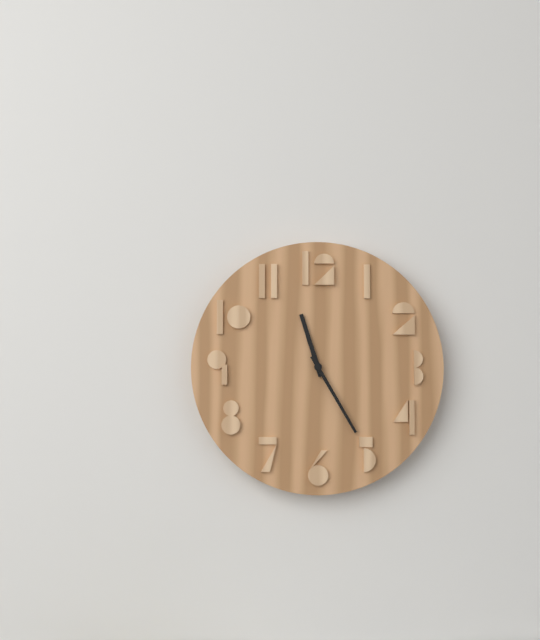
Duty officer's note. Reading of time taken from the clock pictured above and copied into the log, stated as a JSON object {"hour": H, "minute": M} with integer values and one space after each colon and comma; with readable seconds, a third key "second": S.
{"hour": 11, "minute": 25}
